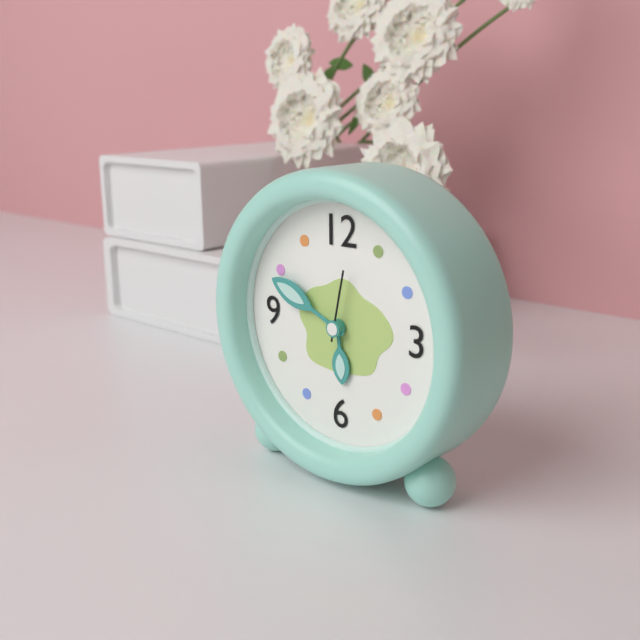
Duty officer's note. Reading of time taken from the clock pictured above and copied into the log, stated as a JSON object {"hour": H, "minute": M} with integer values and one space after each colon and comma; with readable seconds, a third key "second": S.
{"hour": 5, "minute": 49, "second": 2}
